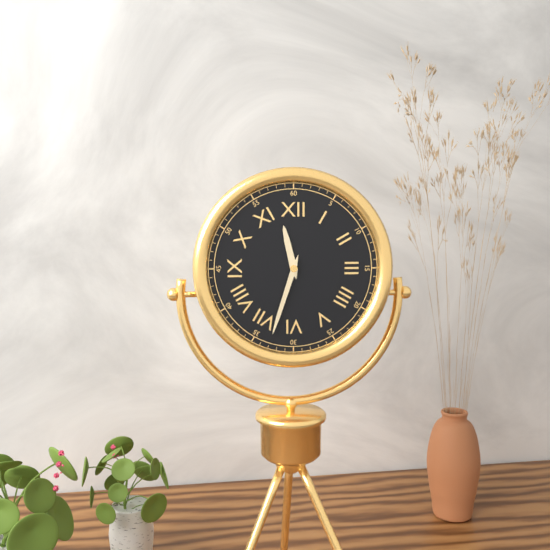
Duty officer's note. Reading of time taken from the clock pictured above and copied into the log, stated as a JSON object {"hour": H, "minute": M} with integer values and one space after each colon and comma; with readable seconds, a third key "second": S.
{"hour": 11, "minute": 33}
